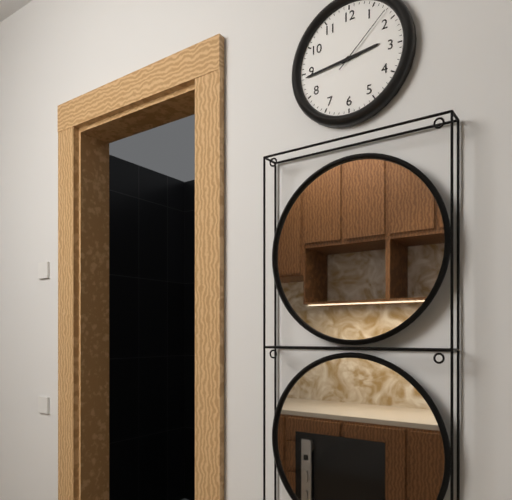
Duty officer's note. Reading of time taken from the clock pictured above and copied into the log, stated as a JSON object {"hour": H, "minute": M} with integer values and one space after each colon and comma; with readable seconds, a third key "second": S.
{"hour": 2, "minute": 44, "second": 8}
